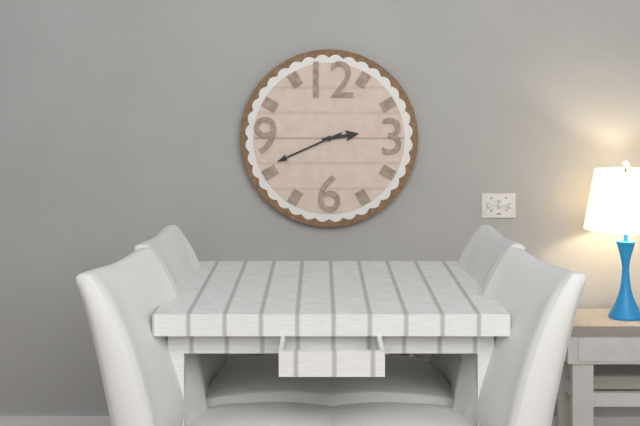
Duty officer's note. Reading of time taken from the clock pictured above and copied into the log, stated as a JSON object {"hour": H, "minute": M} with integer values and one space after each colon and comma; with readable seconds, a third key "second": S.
{"hour": 2, "minute": 41}
